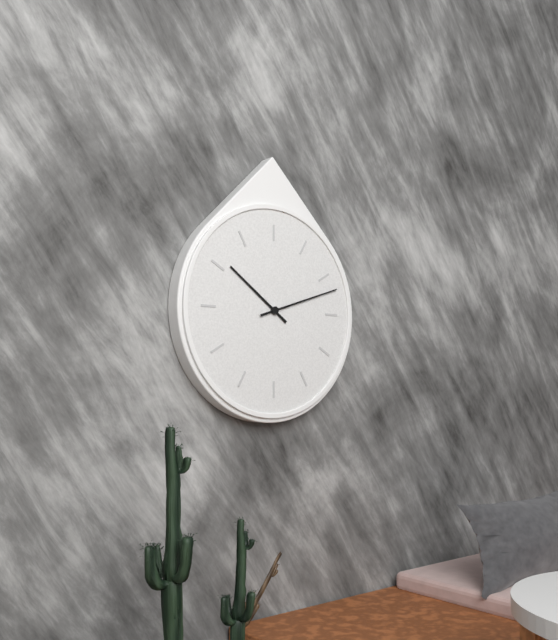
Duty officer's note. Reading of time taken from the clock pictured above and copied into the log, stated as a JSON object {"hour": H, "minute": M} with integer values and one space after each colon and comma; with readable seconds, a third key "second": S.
{"hour": 10, "minute": 12}
